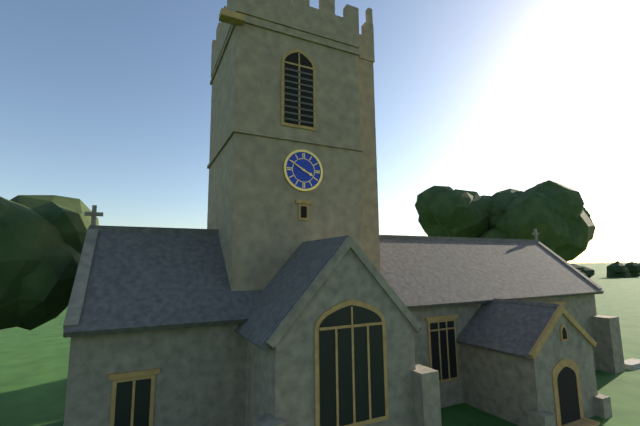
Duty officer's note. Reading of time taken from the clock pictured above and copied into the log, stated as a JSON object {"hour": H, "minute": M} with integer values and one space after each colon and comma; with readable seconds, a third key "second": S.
{"hour": 3, "minute": 50}
